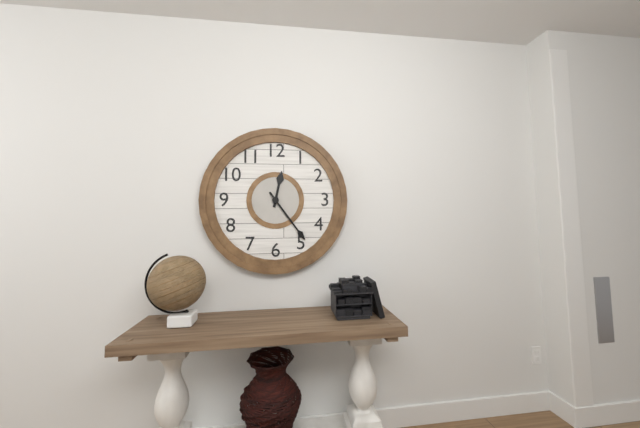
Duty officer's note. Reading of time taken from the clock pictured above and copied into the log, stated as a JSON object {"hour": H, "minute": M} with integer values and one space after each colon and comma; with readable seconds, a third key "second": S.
{"hour": 12, "minute": 24}
